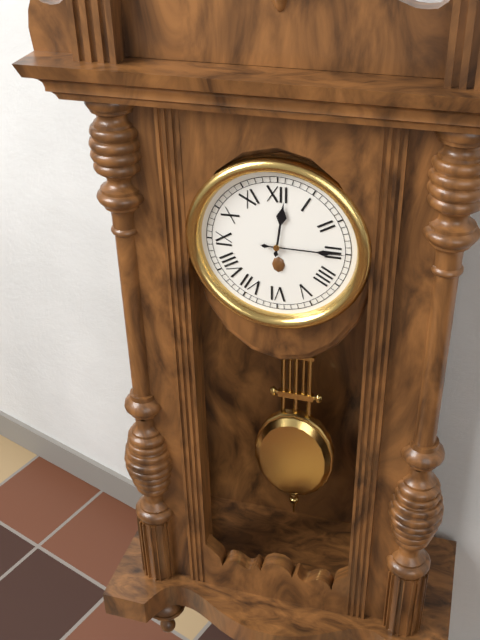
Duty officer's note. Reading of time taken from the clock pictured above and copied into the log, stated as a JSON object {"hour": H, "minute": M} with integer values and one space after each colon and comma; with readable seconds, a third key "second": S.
{"hour": 12, "minute": 15}
